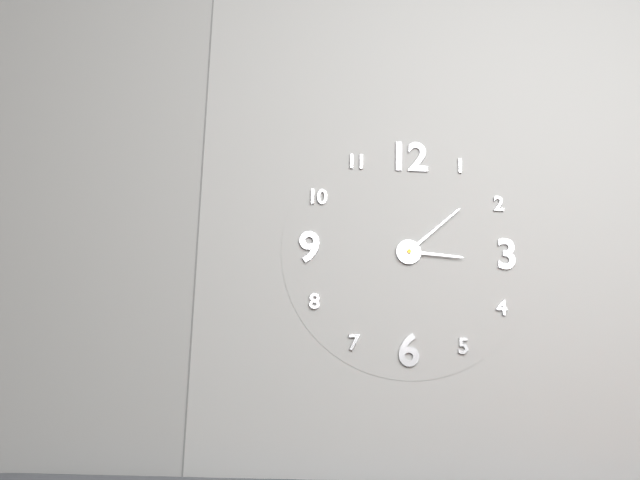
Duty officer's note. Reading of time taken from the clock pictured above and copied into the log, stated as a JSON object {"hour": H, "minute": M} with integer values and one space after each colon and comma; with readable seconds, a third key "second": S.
{"hour": 3, "minute": 8}
